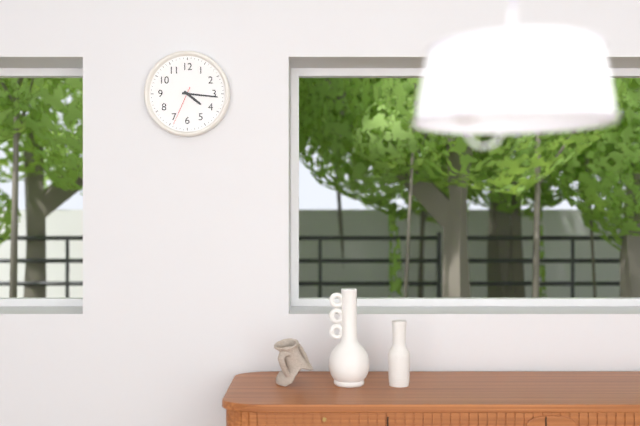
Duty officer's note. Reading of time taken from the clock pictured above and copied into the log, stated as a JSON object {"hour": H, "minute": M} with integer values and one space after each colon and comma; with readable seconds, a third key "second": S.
{"hour": 4, "minute": 16}
